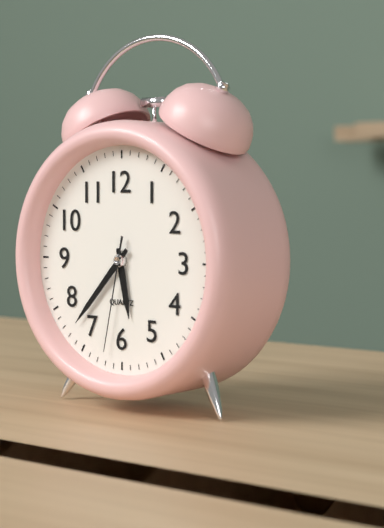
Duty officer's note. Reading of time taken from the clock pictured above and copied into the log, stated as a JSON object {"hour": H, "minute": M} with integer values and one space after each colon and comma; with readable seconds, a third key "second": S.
{"hour": 5, "minute": 37, "second": 32}
